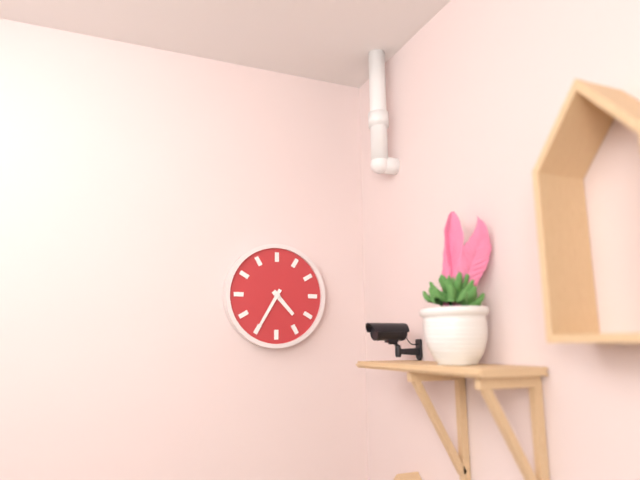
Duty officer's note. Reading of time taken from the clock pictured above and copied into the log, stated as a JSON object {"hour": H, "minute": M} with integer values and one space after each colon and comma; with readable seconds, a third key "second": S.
{"hour": 4, "minute": 35}
